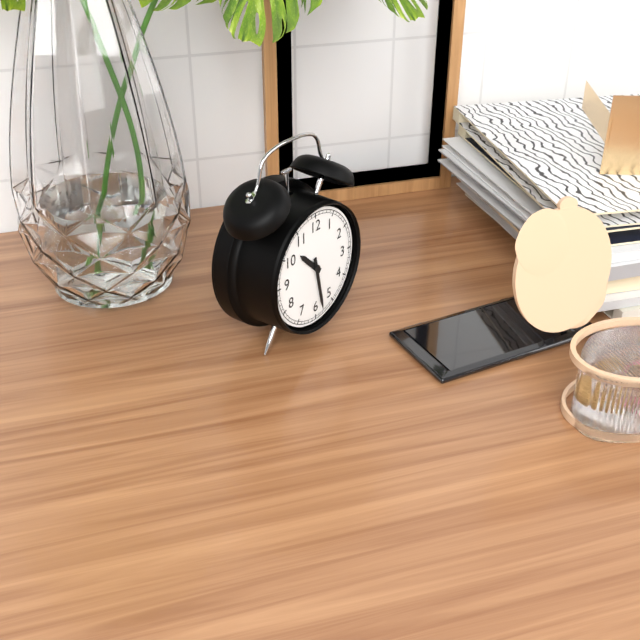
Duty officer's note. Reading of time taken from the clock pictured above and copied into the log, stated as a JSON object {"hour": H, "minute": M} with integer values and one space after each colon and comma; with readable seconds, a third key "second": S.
{"hour": 10, "minute": 28}
